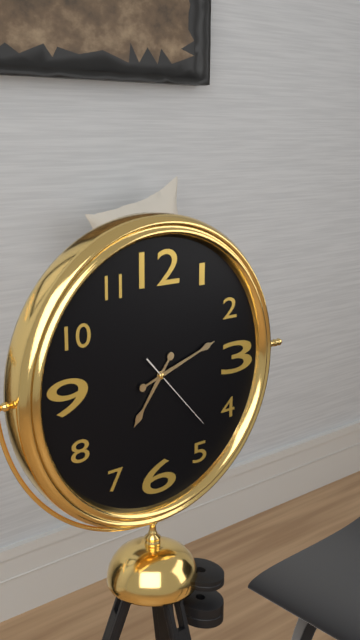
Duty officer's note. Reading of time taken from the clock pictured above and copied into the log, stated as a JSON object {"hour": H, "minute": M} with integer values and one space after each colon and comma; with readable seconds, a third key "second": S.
{"hour": 7, "minute": 12, "second": 23}
